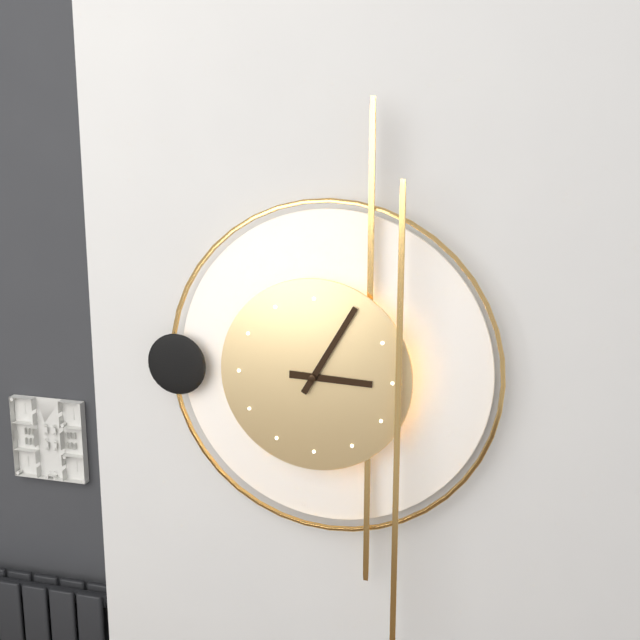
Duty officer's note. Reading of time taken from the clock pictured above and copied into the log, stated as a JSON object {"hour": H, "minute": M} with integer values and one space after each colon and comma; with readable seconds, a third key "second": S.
{"hour": 3, "minute": 5}
